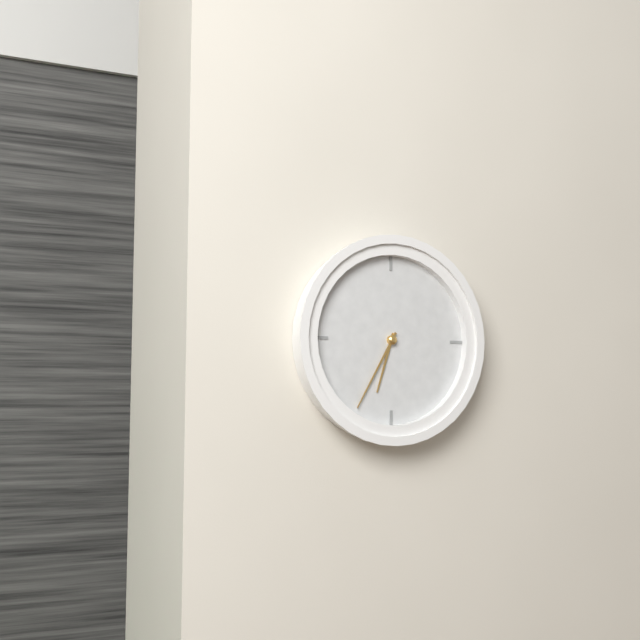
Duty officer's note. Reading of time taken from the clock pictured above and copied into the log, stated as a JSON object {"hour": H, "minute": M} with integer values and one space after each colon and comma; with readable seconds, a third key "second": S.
{"hour": 6, "minute": 35}
